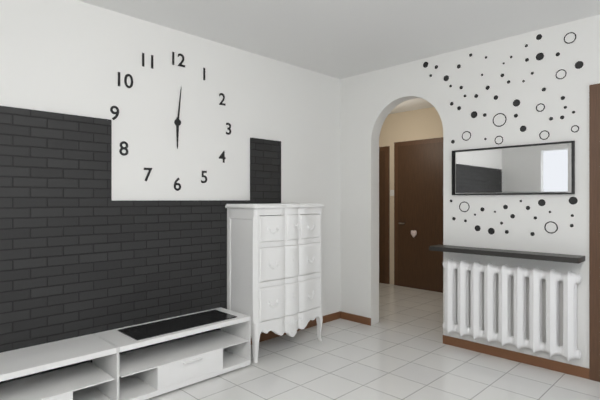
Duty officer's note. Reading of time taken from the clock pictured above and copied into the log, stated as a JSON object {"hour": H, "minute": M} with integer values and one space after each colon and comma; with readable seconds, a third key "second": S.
{"hour": 6, "minute": 1}
